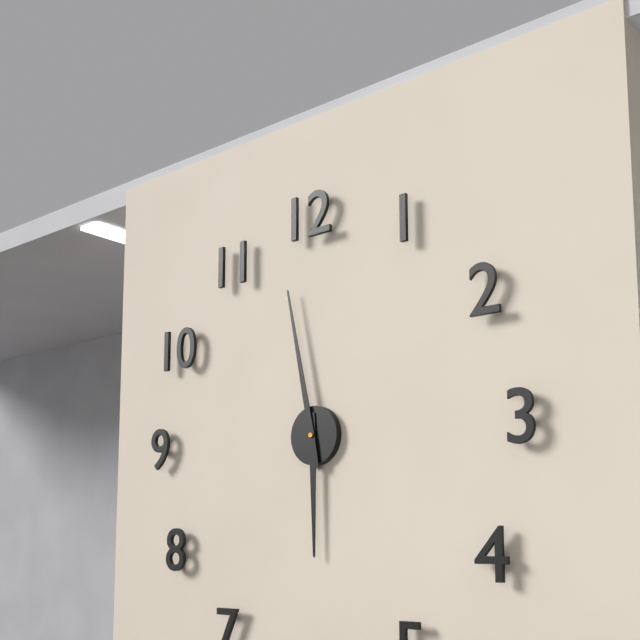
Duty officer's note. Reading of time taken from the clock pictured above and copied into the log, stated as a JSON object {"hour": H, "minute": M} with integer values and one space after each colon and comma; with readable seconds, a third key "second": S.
{"hour": 5, "minute": 58}
